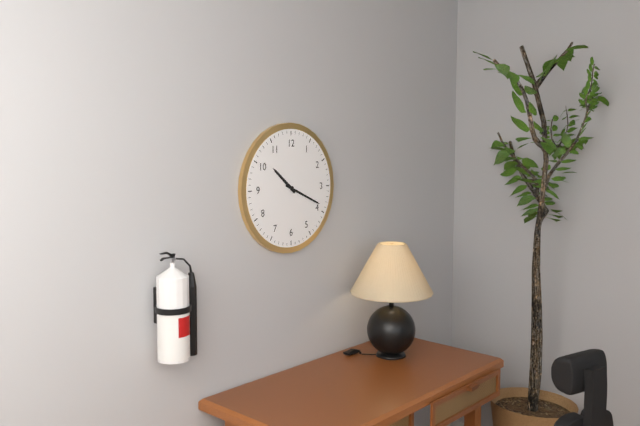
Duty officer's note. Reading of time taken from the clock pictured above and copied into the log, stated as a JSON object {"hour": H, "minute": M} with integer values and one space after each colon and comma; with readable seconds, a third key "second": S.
{"hour": 10, "minute": 19}
